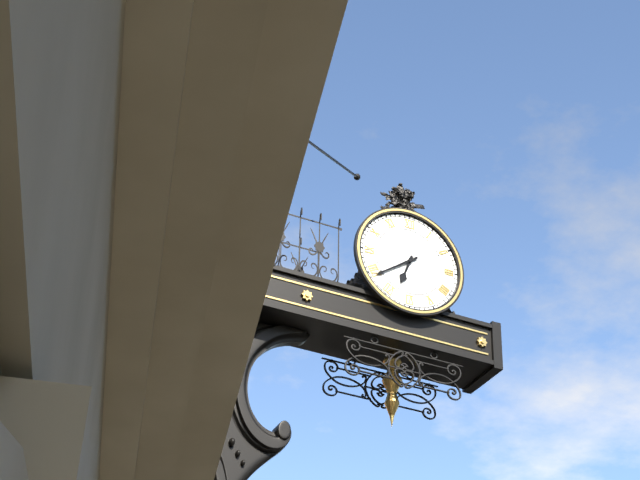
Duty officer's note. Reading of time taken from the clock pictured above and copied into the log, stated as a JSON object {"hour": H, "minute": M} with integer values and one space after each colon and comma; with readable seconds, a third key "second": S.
{"hour": 6, "minute": 39}
